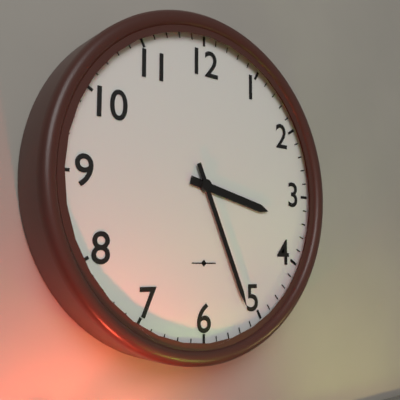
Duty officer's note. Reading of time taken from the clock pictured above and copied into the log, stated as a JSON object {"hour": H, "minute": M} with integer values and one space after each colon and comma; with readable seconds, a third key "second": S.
{"hour": 3, "minute": 26}
